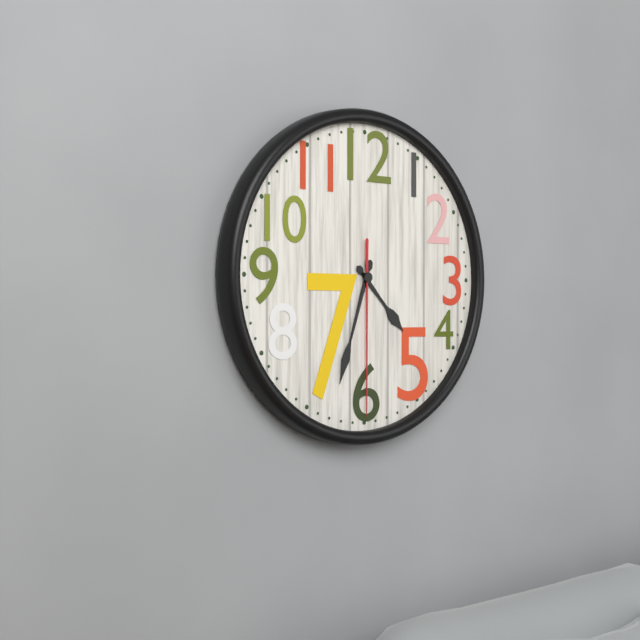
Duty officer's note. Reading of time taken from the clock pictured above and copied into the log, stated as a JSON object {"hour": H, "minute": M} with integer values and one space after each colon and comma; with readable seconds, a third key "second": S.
{"hour": 4, "minute": 33, "second": 30}
